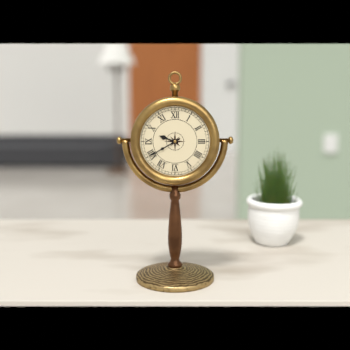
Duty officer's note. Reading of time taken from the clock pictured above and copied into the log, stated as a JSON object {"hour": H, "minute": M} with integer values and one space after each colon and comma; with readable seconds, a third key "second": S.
{"hour": 9, "minute": 40}
